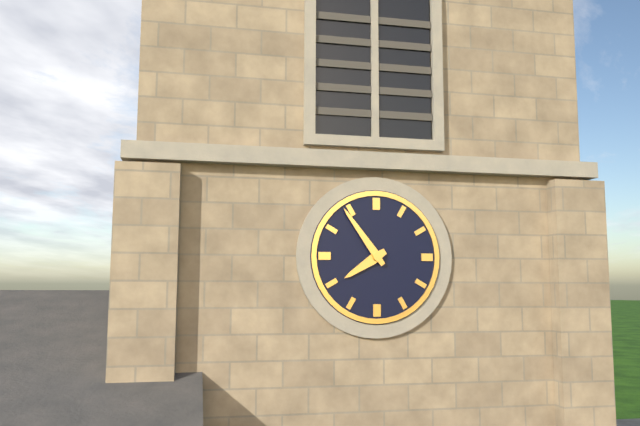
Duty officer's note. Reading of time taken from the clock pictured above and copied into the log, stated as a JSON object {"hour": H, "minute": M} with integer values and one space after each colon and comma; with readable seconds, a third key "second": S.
{"hour": 7, "minute": 54}
